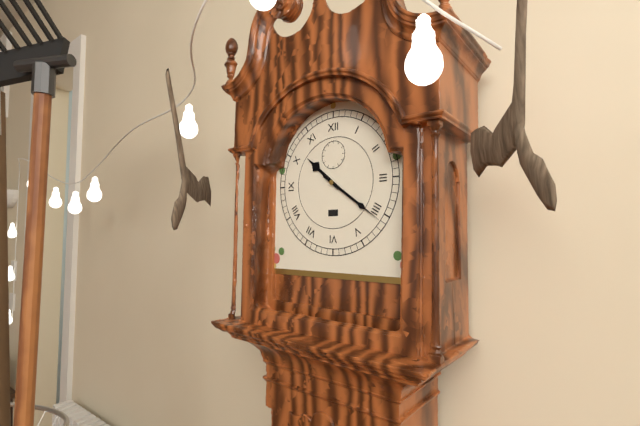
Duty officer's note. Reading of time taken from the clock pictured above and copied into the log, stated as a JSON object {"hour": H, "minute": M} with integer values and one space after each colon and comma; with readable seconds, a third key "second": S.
{"hour": 10, "minute": 21}
